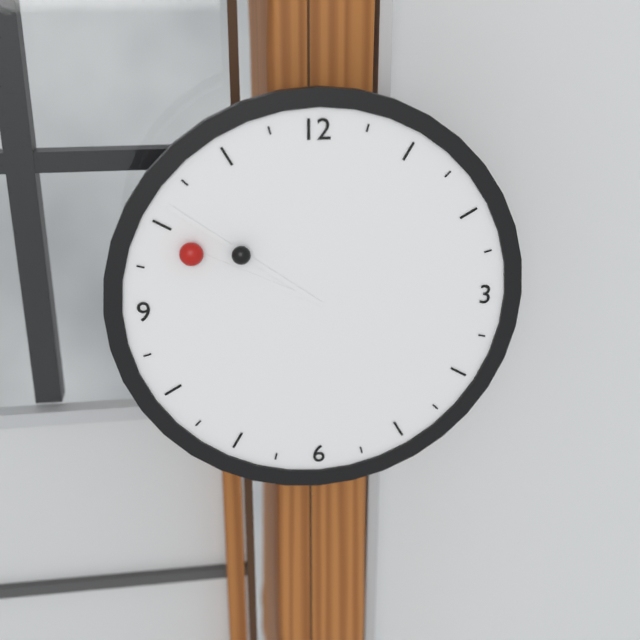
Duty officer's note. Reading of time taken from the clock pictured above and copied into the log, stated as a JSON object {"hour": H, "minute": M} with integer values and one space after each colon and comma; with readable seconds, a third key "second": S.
{"hour": 9, "minute": 51}
